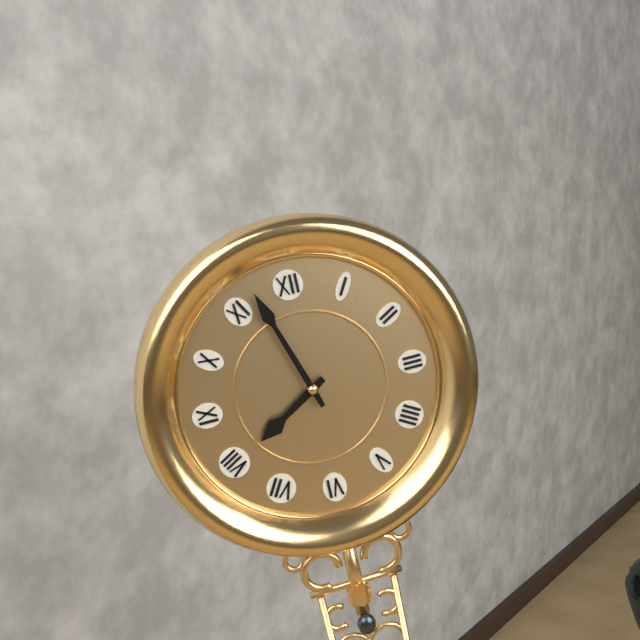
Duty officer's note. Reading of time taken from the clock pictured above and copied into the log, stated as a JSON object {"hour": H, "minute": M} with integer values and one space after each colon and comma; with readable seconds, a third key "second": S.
{"hour": 7, "minute": 57}
